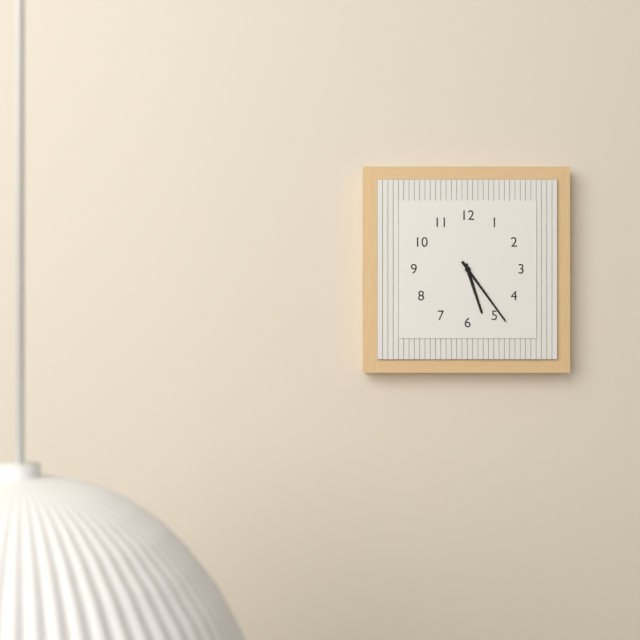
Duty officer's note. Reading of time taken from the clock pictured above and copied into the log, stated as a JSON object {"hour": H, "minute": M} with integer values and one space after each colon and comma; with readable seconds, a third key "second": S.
{"hour": 5, "minute": 24}
